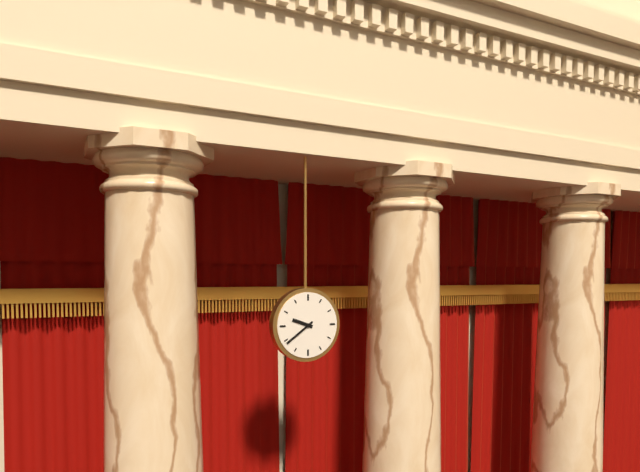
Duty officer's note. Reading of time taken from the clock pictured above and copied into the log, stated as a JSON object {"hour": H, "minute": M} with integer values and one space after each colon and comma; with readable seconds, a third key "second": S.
{"hour": 9, "minute": 39}
